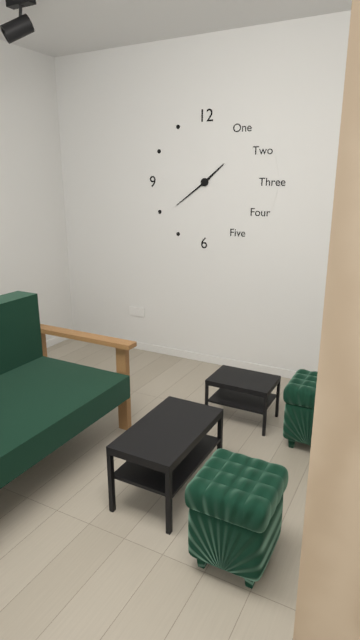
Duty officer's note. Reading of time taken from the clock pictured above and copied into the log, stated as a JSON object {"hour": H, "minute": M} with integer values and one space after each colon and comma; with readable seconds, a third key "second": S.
{"hour": 1, "minute": 39}
